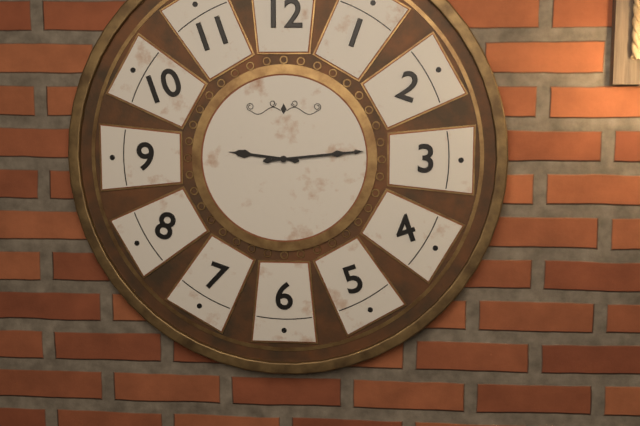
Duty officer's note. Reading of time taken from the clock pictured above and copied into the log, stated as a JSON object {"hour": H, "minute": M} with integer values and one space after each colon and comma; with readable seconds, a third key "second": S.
{"hour": 9, "minute": 14}
